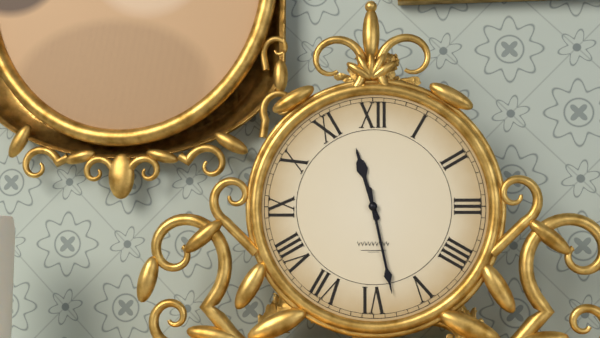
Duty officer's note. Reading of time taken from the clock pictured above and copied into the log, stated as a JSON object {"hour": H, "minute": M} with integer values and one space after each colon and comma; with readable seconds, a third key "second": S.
{"hour": 11, "minute": 28}
